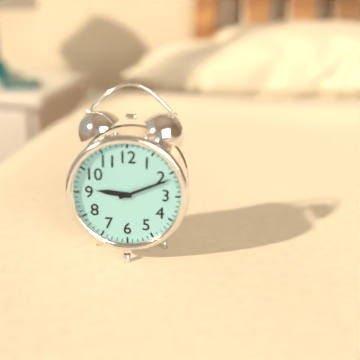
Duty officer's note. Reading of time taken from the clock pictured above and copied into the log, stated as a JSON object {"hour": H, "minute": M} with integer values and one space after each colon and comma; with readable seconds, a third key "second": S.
{"hour": 9, "minute": 11}
